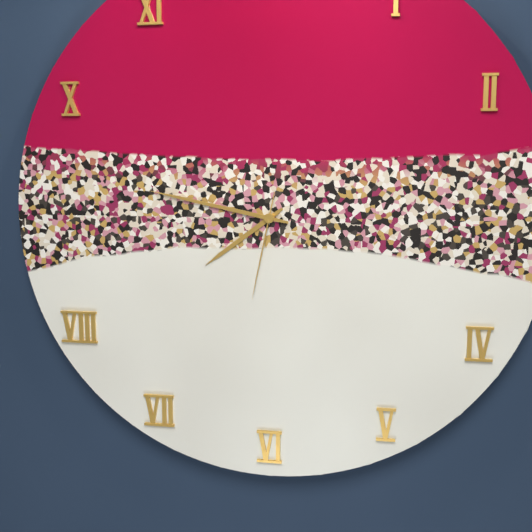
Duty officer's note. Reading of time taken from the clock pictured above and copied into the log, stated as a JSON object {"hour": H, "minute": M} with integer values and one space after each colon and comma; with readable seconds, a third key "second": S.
{"hour": 7, "minute": 47, "second": 32}
